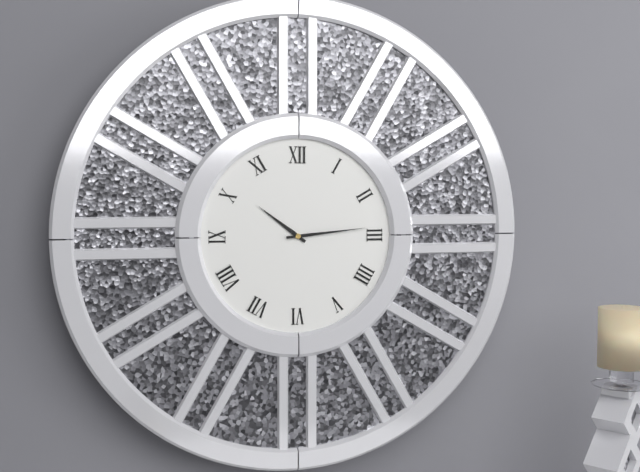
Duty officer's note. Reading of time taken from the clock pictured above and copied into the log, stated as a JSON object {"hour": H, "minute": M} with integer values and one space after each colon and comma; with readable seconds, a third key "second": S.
{"hour": 10, "minute": 14}
